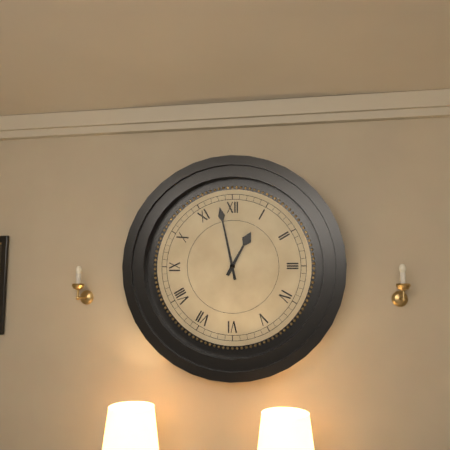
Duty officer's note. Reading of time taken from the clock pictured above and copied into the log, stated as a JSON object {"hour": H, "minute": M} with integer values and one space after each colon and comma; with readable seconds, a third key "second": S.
{"hour": 12, "minute": 58}
